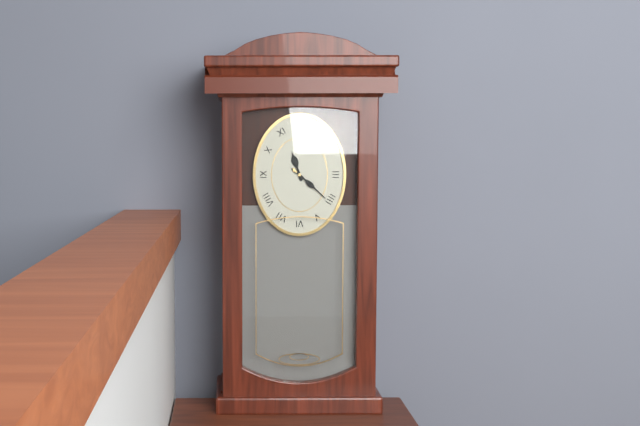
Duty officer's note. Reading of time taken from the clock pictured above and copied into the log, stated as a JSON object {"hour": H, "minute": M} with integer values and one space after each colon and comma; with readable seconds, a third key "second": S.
{"hour": 11, "minute": 22}
